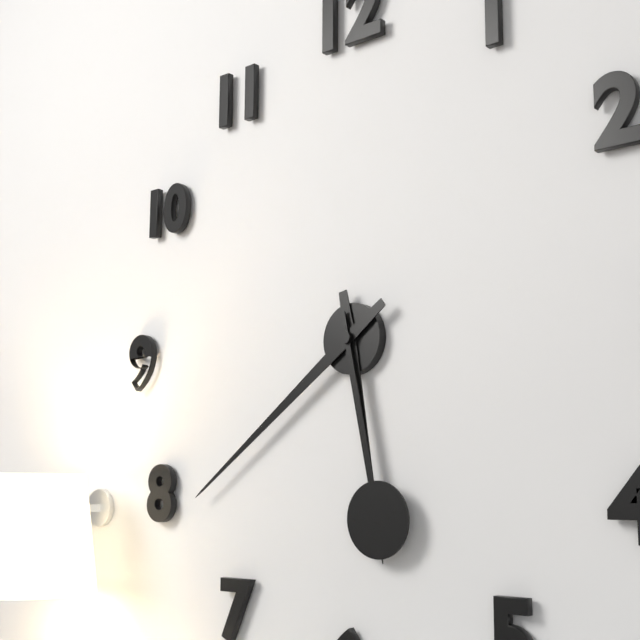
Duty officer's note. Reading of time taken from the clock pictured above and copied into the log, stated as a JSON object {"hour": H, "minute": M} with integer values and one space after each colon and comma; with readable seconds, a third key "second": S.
{"hour": 5, "minute": 39, "second": 28}
